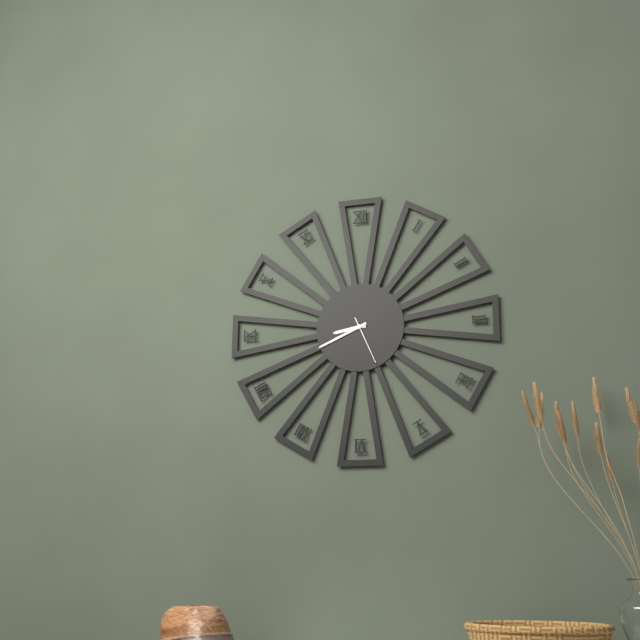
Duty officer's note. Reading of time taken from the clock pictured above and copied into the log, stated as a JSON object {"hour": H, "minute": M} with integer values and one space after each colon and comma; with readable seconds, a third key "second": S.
{"hour": 8, "minute": 41}
